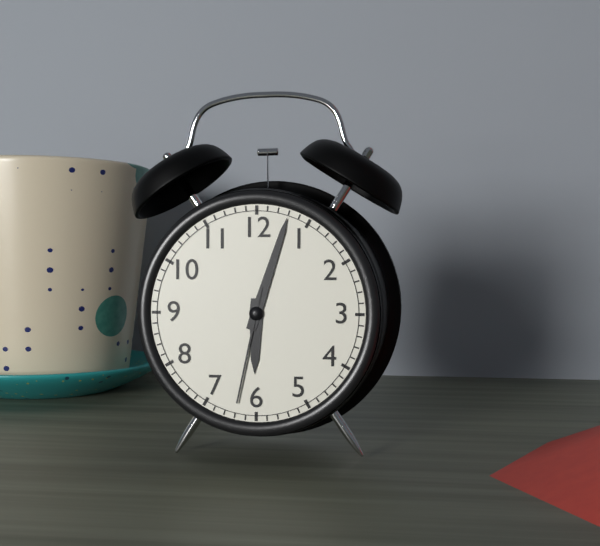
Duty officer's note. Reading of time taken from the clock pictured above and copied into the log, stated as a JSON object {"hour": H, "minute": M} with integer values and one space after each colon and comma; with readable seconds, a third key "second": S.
{"hour": 6, "minute": 3, "second": 32}
